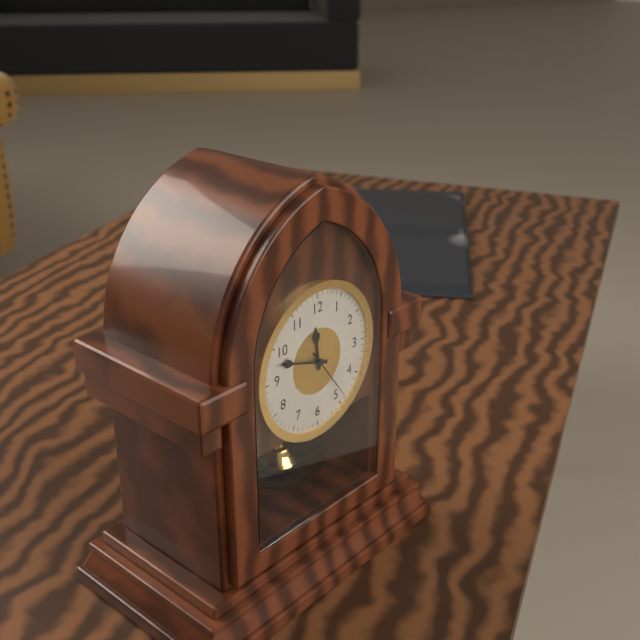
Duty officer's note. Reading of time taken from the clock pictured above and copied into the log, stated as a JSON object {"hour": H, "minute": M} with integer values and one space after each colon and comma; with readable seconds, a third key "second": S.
{"hour": 11, "minute": 48, "second": 24}
